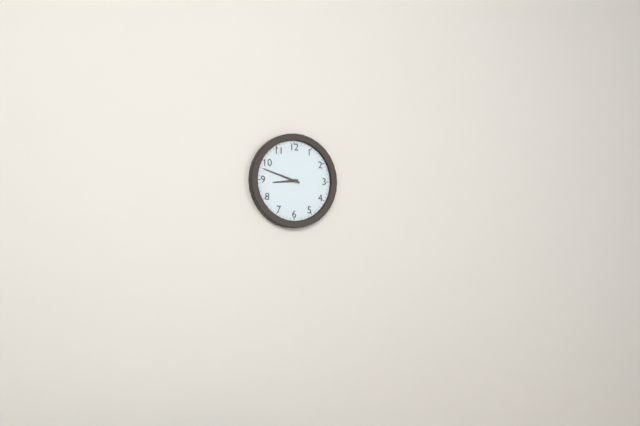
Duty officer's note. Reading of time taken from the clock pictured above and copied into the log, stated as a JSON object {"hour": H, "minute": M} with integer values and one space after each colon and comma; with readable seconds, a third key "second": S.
{"hour": 8, "minute": 48}
